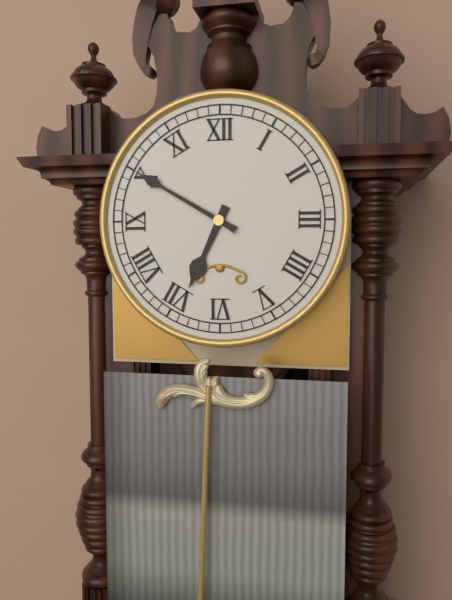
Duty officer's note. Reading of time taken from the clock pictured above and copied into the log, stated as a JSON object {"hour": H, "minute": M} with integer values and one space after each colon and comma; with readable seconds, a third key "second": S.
{"hour": 6, "minute": 50}
